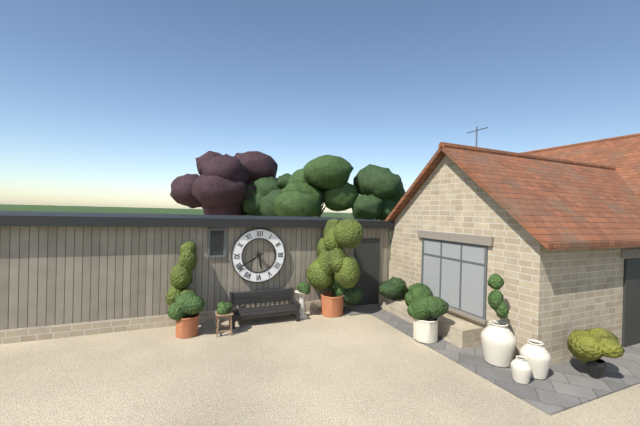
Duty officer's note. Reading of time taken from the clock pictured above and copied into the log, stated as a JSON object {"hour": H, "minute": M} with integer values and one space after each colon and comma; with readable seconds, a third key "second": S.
{"hour": 5, "minute": 40}
